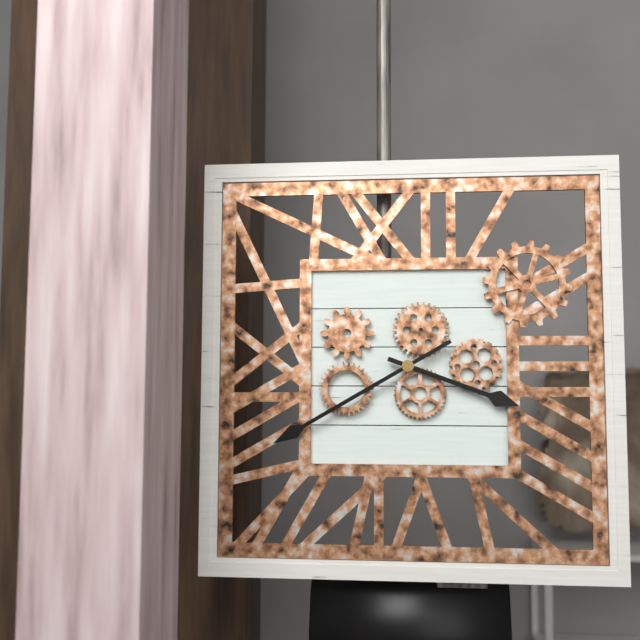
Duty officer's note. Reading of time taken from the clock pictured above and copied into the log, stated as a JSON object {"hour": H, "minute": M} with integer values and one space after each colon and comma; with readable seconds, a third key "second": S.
{"hour": 3, "minute": 40}
